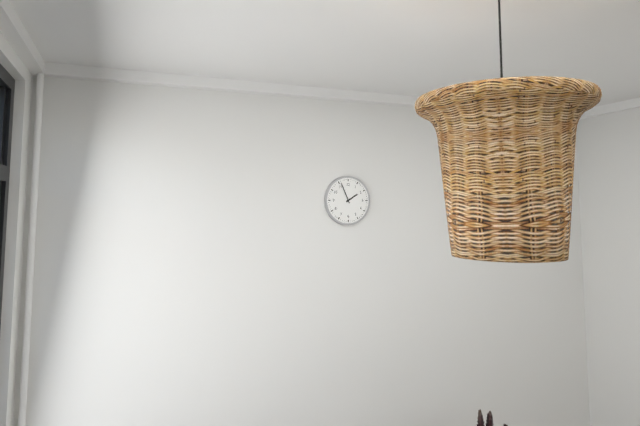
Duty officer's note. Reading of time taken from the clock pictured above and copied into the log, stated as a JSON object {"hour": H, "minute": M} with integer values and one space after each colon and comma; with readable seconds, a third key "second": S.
{"hour": 1, "minute": 56}
